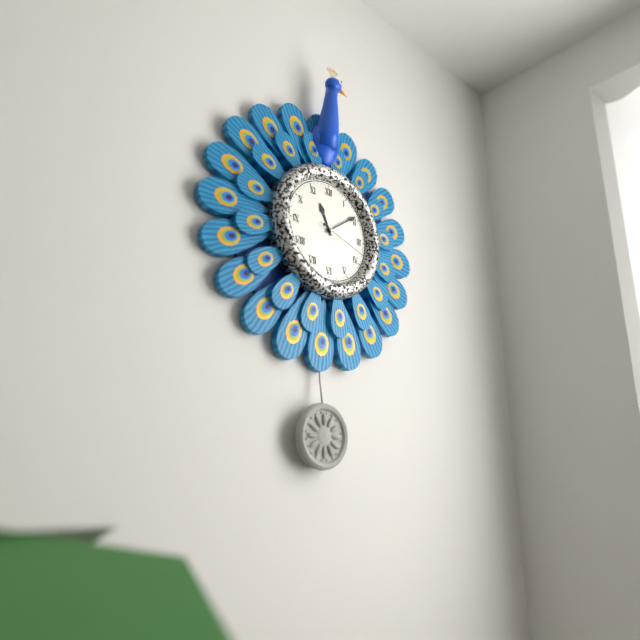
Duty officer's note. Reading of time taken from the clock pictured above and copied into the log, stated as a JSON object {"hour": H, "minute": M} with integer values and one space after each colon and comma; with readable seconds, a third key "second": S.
{"hour": 11, "minute": 9, "second": 18}
